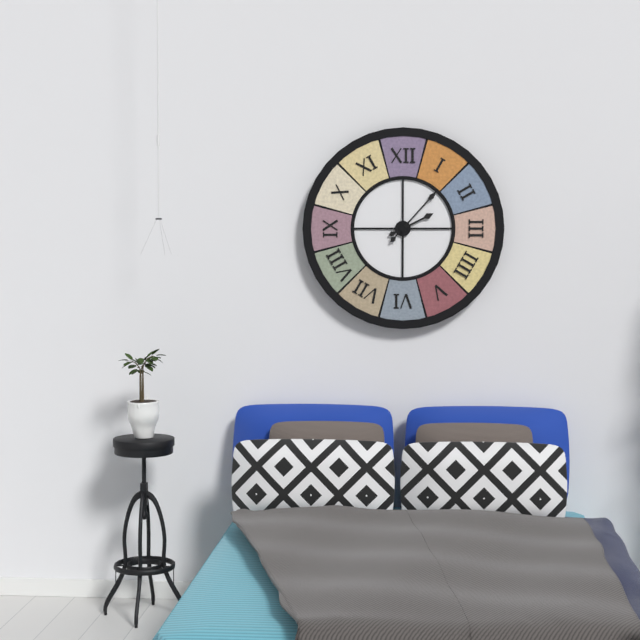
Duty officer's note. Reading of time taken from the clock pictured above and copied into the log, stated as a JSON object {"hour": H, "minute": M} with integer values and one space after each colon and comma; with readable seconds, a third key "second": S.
{"hour": 2, "minute": 7}
